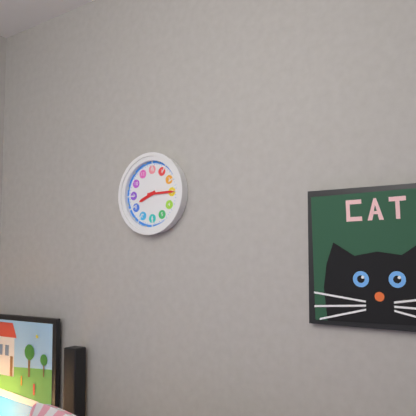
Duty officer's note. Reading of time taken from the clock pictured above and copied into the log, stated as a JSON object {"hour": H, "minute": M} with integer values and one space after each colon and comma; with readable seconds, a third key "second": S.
{"hour": 8, "minute": 15}
